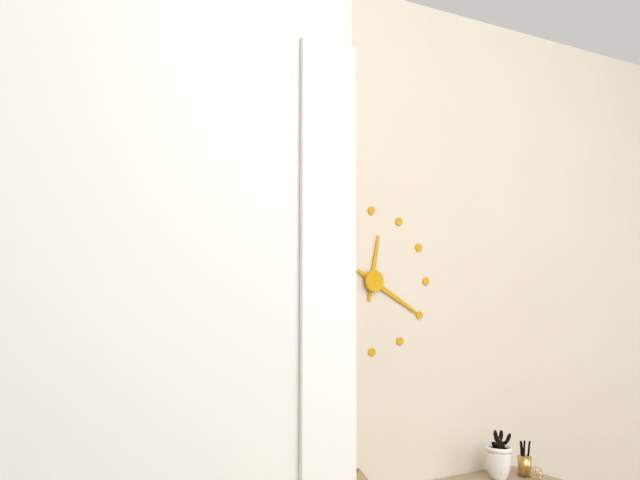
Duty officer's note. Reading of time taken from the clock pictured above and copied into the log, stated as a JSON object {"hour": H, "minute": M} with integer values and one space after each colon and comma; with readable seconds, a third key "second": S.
{"hour": 12, "minute": 20}
